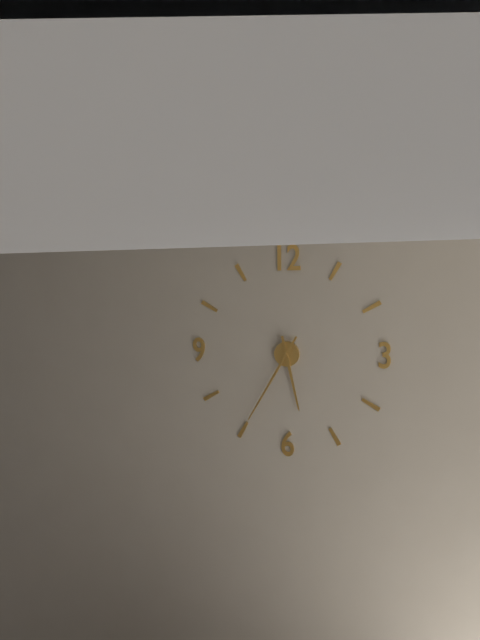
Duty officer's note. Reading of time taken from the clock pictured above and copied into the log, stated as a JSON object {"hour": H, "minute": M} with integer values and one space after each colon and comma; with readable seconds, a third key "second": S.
{"hour": 5, "minute": 35}
